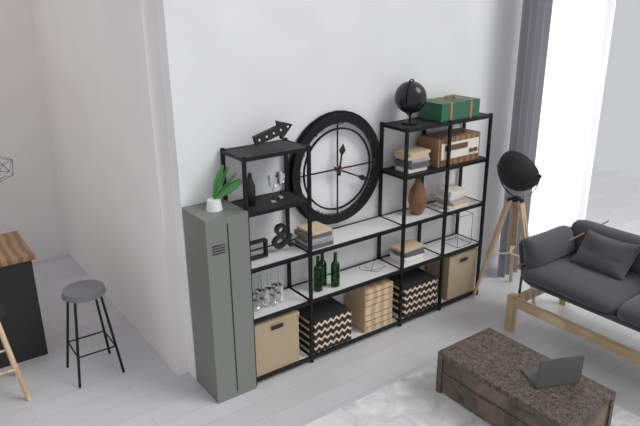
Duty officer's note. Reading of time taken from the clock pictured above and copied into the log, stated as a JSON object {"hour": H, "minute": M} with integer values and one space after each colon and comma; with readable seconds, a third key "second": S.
{"hour": 12, "minute": 19}
